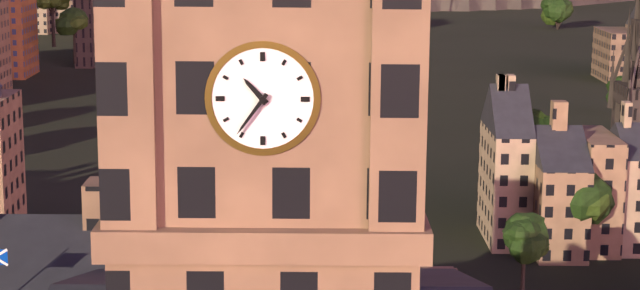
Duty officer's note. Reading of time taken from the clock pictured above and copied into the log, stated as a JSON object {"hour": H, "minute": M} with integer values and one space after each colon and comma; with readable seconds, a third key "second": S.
{"hour": 10, "minute": 36}
